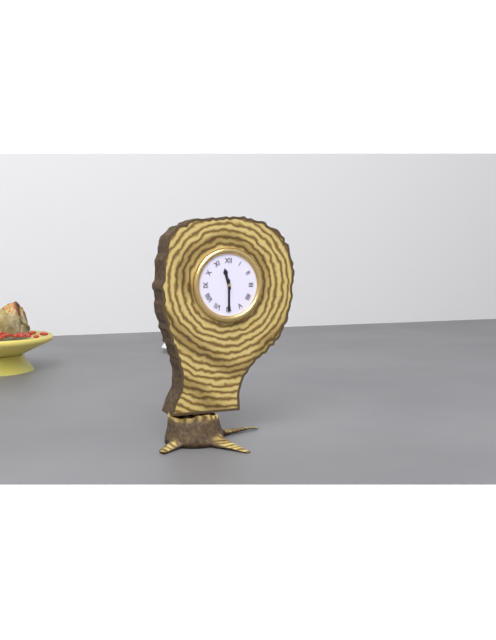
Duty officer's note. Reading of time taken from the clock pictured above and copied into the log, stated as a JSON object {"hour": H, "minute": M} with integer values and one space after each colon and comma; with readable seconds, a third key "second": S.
{"hour": 11, "minute": 30}
